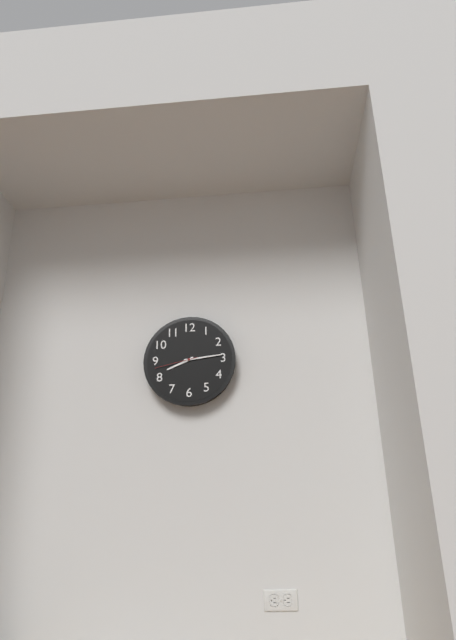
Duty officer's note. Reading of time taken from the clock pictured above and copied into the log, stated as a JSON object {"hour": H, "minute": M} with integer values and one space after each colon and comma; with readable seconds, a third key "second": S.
{"hour": 8, "minute": 14}
